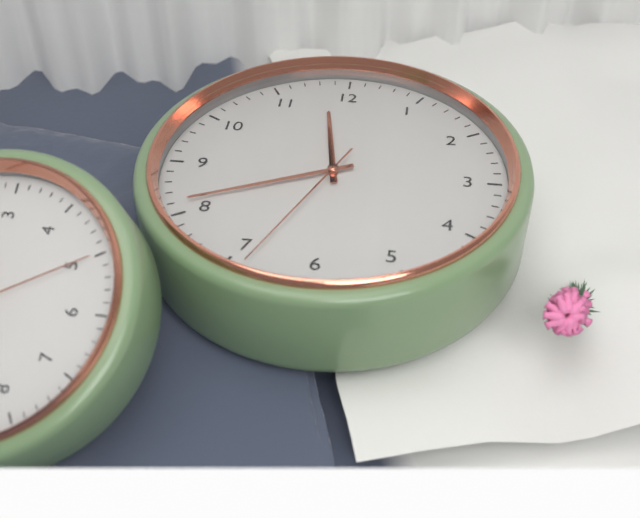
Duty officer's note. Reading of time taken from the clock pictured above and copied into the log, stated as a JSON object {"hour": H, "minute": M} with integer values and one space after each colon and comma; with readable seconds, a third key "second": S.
{"hour": 11, "minute": 41, "second": 34}
